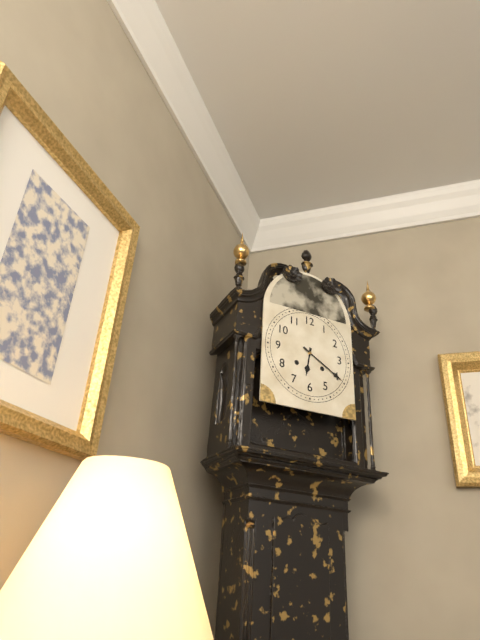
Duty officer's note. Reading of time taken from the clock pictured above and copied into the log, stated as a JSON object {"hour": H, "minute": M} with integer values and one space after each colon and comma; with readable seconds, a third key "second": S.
{"hour": 6, "minute": 20}
